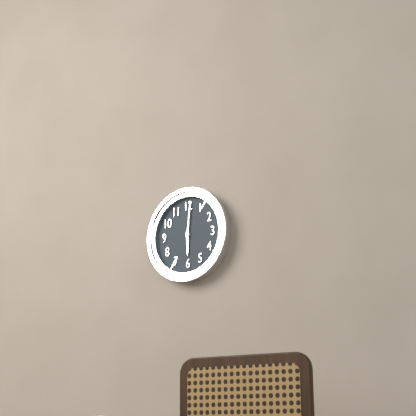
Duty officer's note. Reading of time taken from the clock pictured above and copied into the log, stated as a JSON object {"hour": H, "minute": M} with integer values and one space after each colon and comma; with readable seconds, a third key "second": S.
{"hour": 6, "minute": 1}
